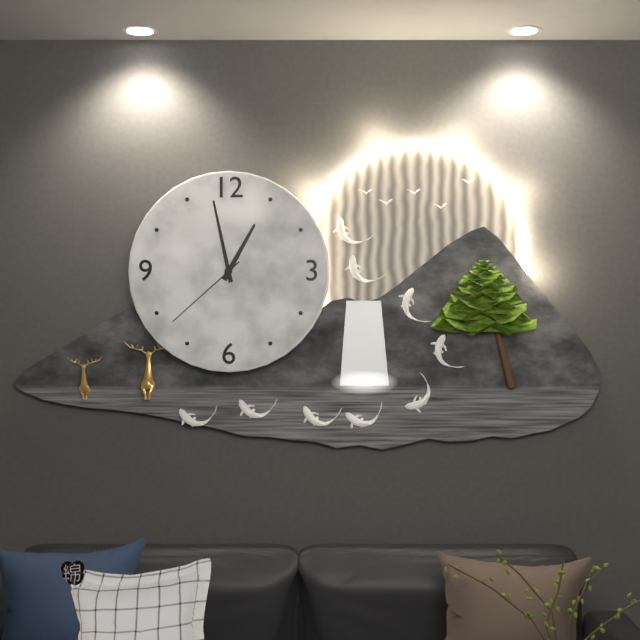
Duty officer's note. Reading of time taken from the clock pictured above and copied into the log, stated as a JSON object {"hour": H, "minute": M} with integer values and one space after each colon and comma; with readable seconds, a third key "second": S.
{"hour": 12, "minute": 58, "second": 38}
